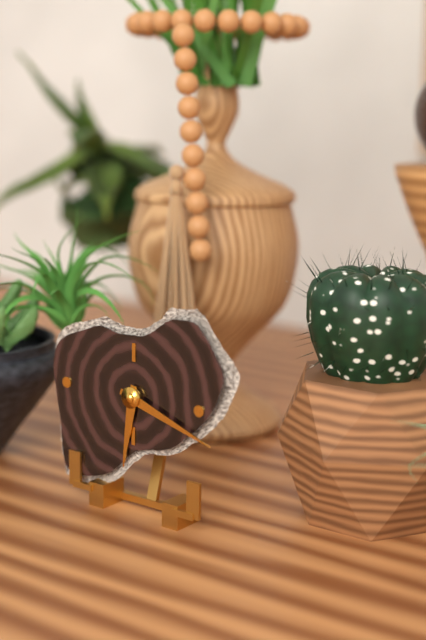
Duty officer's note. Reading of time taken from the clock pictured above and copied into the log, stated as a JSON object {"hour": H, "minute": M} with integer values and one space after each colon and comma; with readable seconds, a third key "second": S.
{"hour": 6, "minute": 18}
